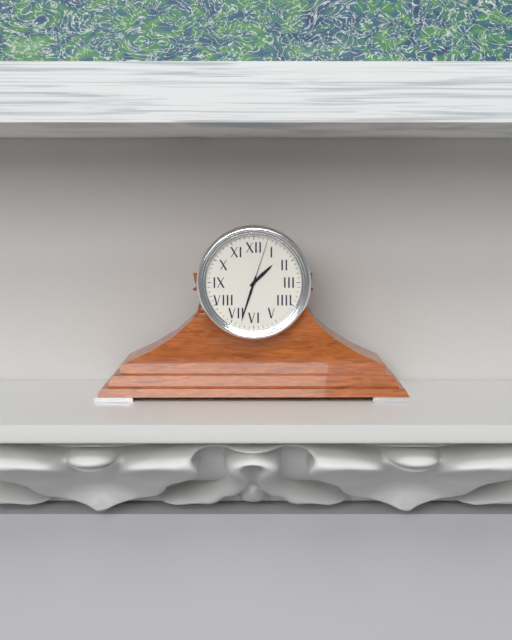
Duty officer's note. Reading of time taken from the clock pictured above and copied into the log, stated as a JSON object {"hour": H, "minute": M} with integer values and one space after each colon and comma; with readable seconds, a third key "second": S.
{"hour": 1, "minute": 33, "second": 3}
